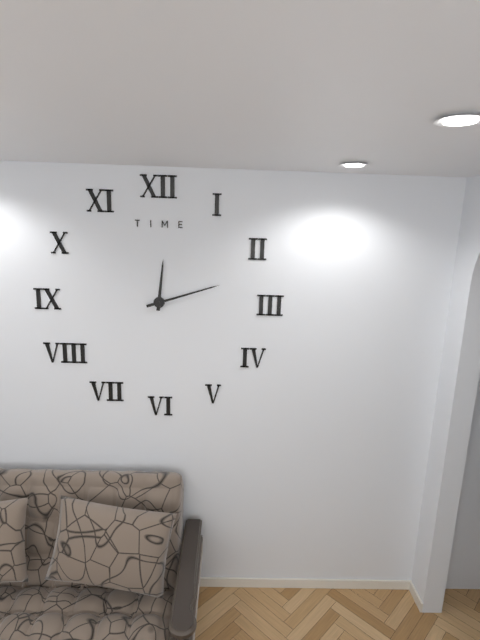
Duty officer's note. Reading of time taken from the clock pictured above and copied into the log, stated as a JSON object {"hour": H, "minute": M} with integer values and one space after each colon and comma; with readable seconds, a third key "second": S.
{"hour": 12, "minute": 12}
